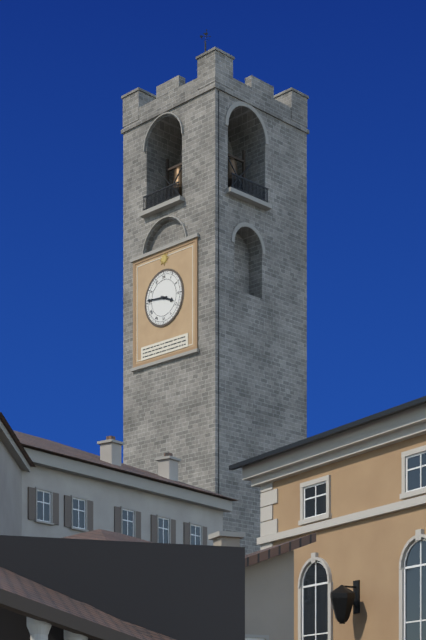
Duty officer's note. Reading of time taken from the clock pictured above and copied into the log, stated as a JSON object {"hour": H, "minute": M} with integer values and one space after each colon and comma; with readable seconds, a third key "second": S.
{"hour": 3, "minute": 46}
